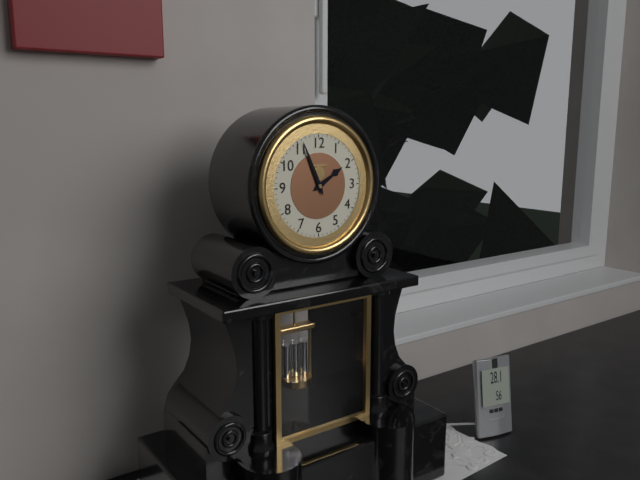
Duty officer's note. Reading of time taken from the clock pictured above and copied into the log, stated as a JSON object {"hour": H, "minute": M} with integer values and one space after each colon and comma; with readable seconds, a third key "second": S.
{"hour": 1, "minute": 56}
